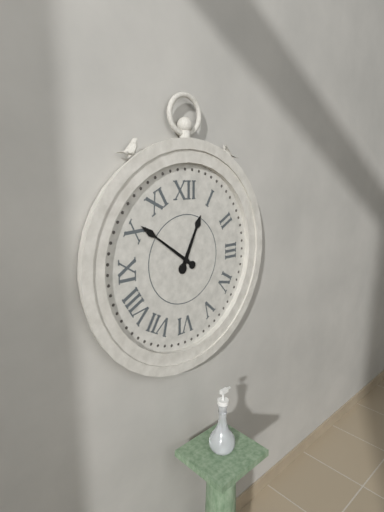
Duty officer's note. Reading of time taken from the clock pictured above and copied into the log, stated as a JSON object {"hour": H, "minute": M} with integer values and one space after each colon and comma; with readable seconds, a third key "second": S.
{"hour": 12, "minute": 51}
